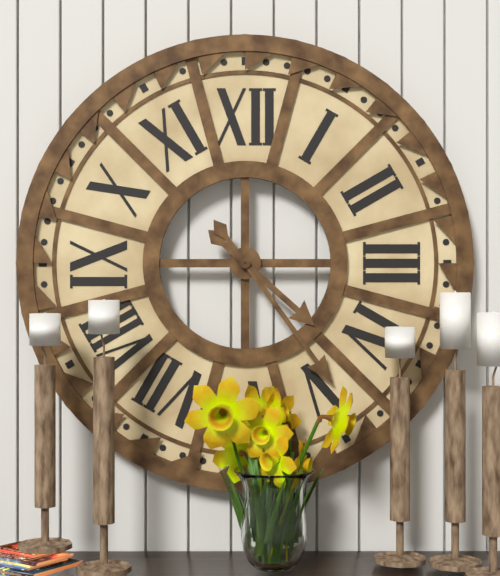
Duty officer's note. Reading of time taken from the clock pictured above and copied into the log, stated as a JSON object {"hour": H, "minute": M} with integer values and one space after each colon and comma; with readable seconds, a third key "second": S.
{"hour": 4, "minute": 24}
